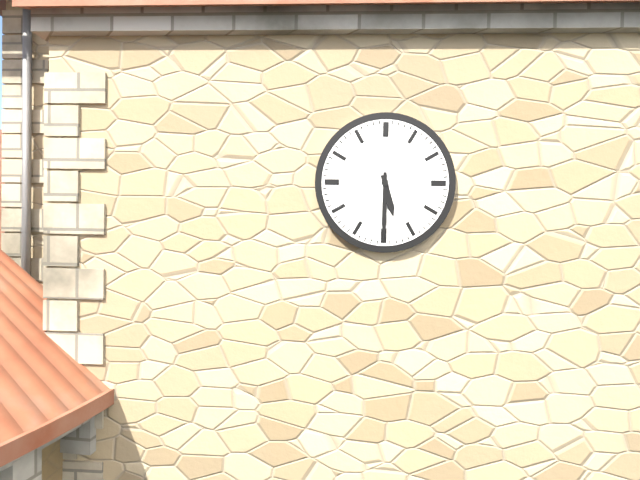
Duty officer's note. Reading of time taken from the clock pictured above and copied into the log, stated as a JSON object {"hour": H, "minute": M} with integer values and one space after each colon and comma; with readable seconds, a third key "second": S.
{"hour": 5, "minute": 30}
